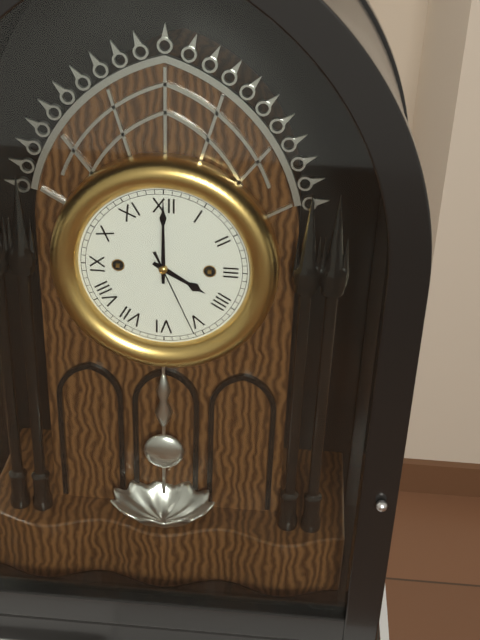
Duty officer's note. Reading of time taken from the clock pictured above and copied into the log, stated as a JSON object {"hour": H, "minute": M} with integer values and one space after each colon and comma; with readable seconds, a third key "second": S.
{"hour": 4, "minute": 0, "second": 26}
